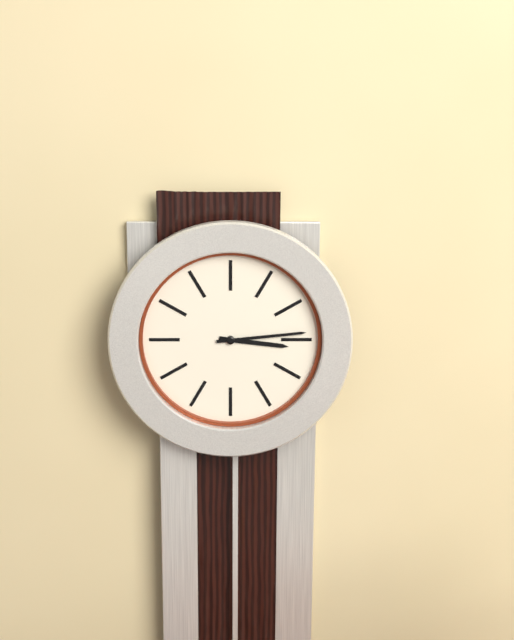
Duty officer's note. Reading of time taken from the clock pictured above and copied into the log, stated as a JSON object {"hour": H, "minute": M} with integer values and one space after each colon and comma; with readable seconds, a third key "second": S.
{"hour": 3, "minute": 14}
